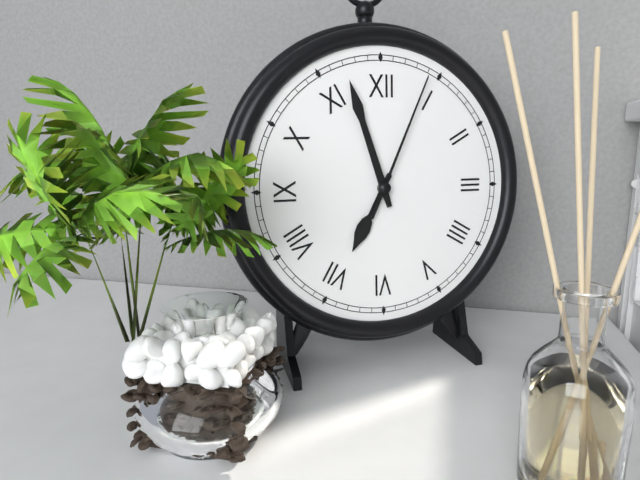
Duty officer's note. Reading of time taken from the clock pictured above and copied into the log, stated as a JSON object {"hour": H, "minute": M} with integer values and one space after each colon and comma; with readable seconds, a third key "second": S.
{"hour": 6, "minute": 57, "second": 4}
